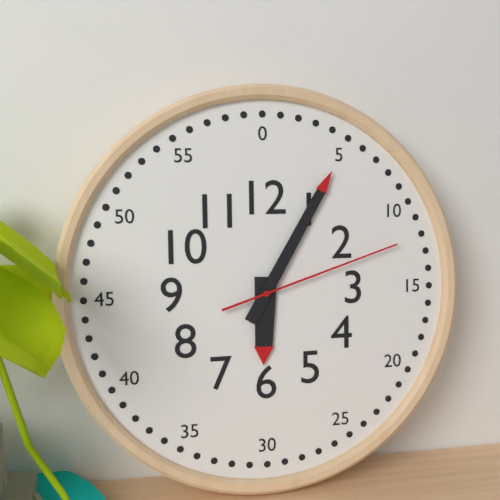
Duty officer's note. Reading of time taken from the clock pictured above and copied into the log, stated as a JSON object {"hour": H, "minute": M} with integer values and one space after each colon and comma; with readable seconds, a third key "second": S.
{"hour": 6, "minute": 5, "second": 12}
